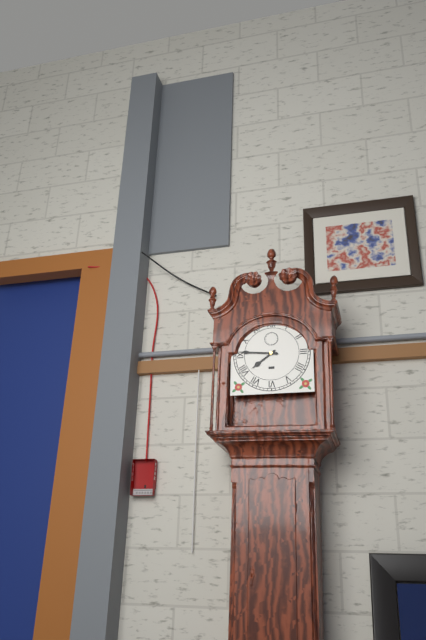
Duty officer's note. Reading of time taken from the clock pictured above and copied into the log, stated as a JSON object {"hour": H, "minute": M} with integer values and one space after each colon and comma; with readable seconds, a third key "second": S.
{"hour": 7, "minute": 46}
